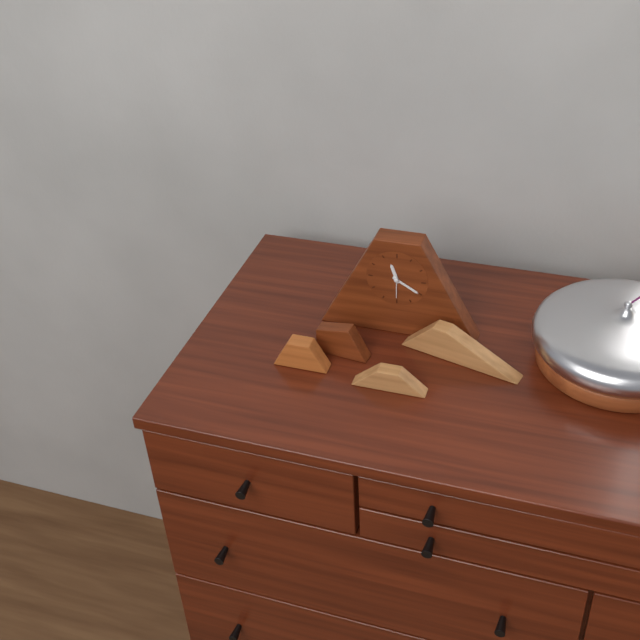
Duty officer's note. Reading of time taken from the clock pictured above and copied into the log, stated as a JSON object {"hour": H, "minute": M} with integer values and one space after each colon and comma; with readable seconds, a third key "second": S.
{"hour": 11, "minute": 20}
